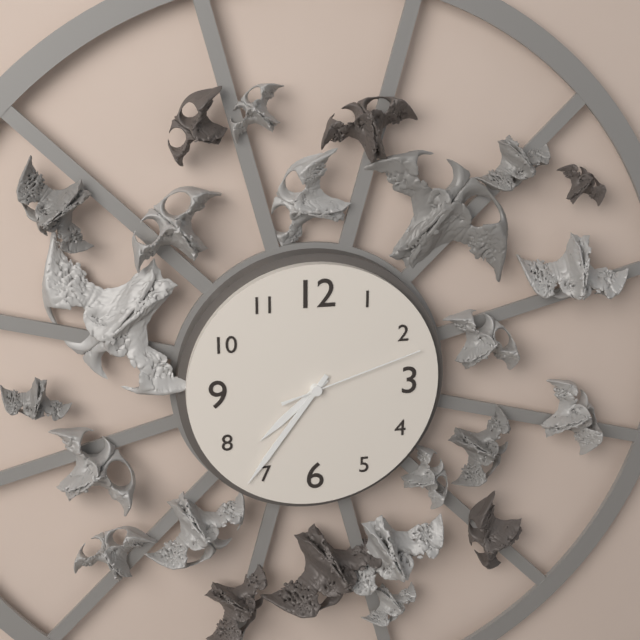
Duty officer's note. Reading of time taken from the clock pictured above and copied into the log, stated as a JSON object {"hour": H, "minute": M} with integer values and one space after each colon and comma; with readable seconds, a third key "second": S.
{"hour": 7, "minute": 36, "second": 12}
